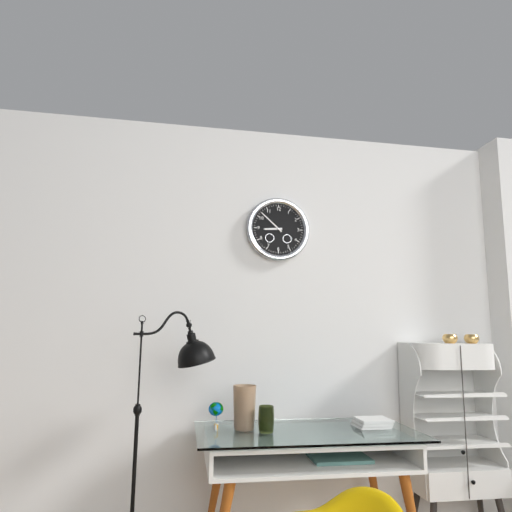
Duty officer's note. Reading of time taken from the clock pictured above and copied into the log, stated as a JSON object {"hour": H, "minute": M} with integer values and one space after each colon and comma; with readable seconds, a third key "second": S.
{"hour": 8, "minute": 52}
